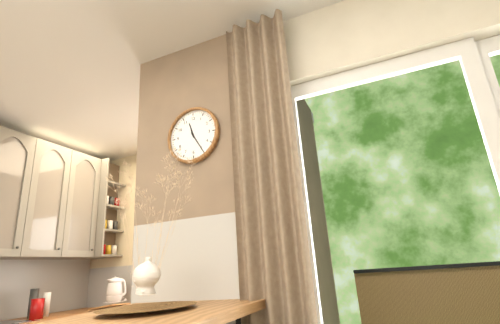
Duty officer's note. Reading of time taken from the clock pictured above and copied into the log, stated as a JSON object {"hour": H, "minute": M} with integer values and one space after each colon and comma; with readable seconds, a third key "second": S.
{"hour": 11, "minute": 25}
